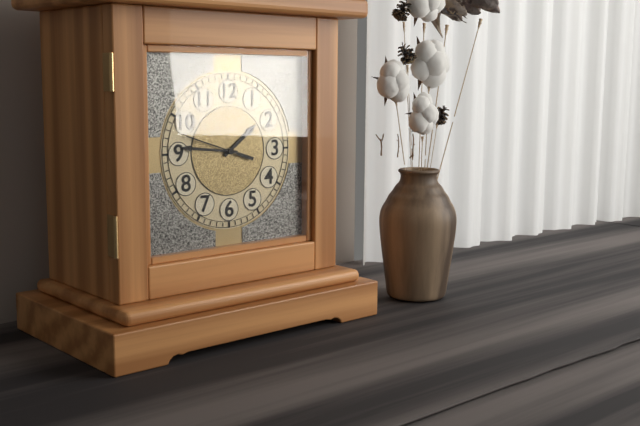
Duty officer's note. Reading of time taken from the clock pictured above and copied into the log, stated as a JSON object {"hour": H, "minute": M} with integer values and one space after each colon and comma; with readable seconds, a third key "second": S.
{"hour": 1, "minute": 46, "second": 48}
